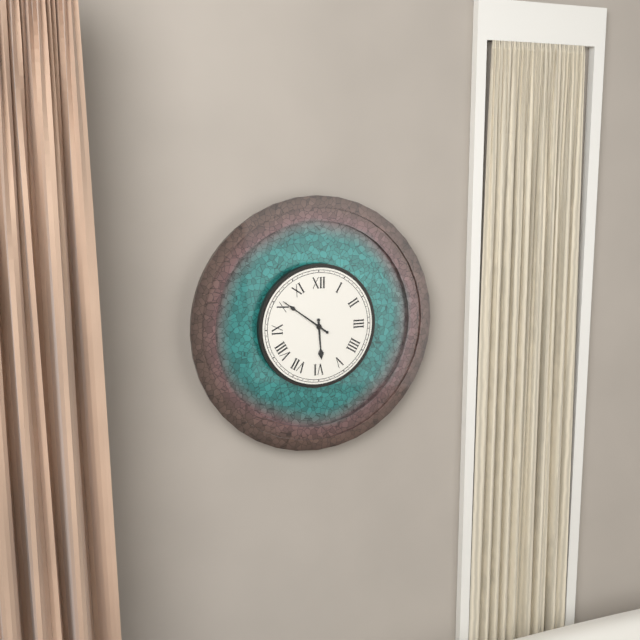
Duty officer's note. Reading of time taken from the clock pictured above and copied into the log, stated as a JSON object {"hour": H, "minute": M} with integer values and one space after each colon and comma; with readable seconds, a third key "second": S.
{"hour": 5, "minute": 51}
